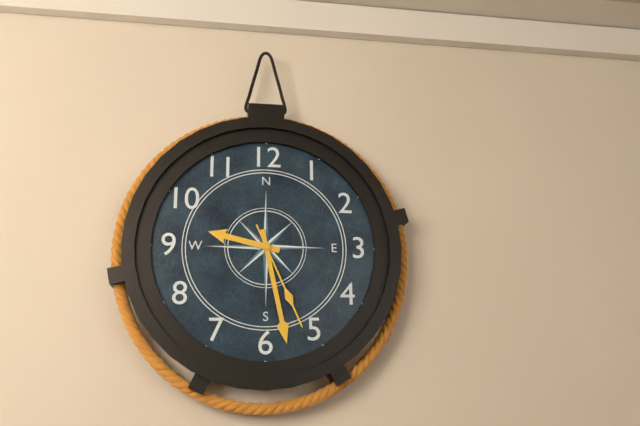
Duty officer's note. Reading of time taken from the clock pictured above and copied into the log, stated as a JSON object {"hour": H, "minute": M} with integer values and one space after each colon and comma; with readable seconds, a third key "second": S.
{"hour": 9, "minute": 28, "second": 26}
